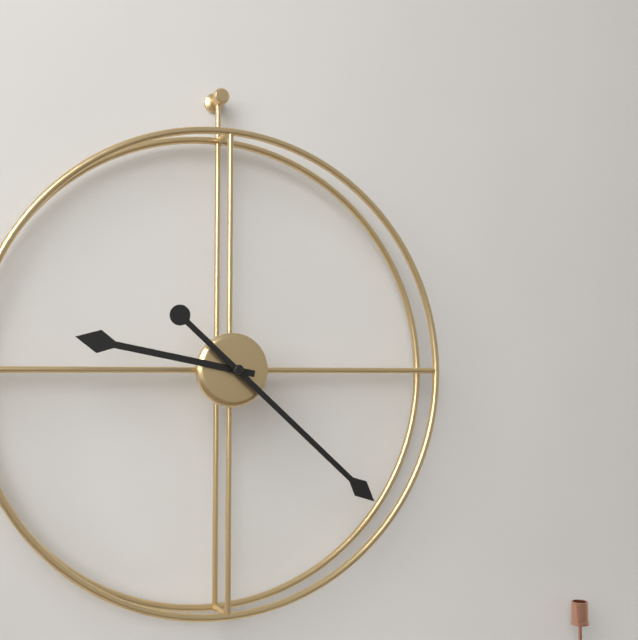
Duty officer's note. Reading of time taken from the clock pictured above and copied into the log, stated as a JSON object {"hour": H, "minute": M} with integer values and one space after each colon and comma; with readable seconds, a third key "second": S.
{"hour": 9, "minute": 22}
